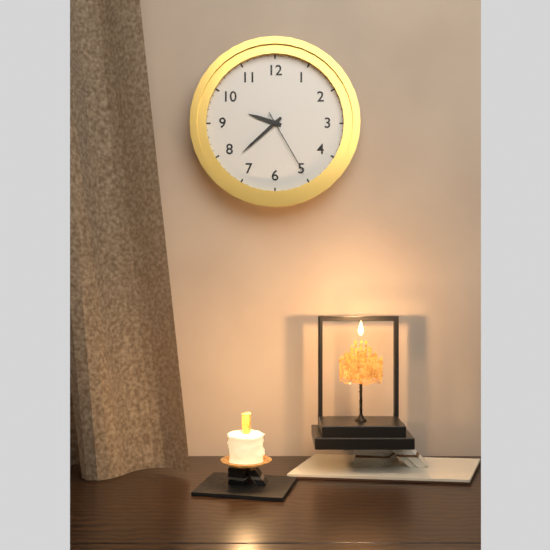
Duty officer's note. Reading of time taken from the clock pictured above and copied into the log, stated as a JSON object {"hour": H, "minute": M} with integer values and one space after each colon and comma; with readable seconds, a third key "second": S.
{"hour": 9, "minute": 38, "second": 25}
